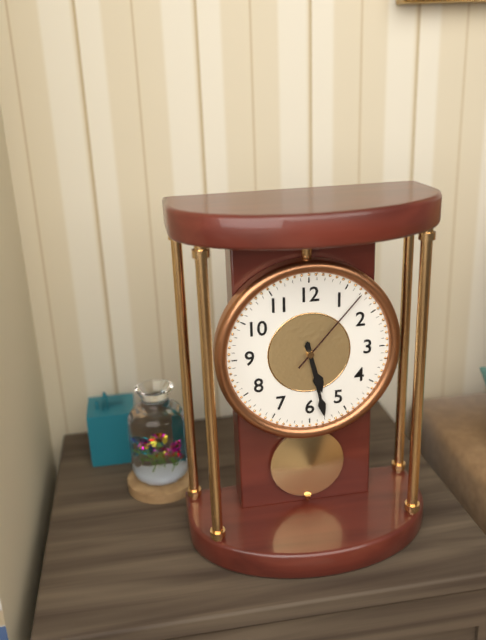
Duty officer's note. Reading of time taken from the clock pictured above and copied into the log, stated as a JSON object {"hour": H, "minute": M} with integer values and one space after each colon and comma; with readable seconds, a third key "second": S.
{"hour": 5, "minute": 28, "second": 7}
